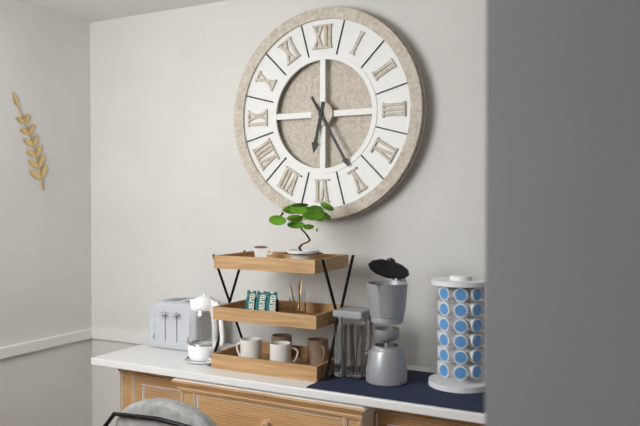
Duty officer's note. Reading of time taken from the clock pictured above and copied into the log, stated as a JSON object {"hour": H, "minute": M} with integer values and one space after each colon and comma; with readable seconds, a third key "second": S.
{"hour": 6, "minute": 25}
